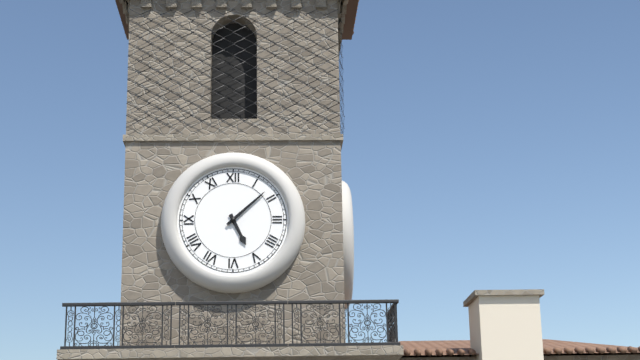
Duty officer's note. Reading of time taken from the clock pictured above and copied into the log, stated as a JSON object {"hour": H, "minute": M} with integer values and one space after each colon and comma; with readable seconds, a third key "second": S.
{"hour": 5, "minute": 8}
